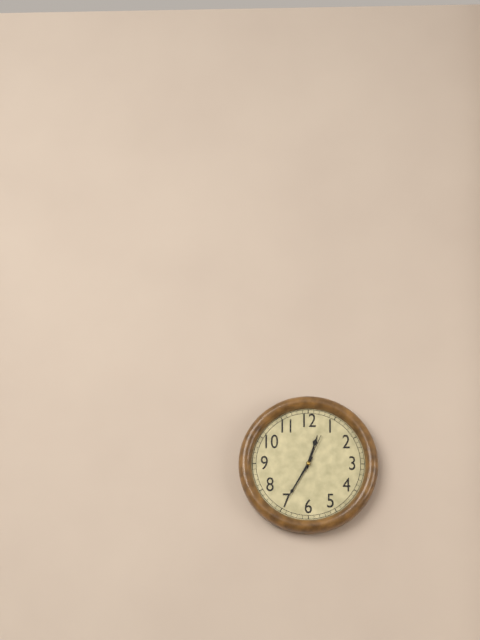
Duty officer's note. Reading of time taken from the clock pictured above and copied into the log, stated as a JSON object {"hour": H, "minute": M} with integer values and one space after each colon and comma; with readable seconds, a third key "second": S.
{"hour": 12, "minute": 35}
